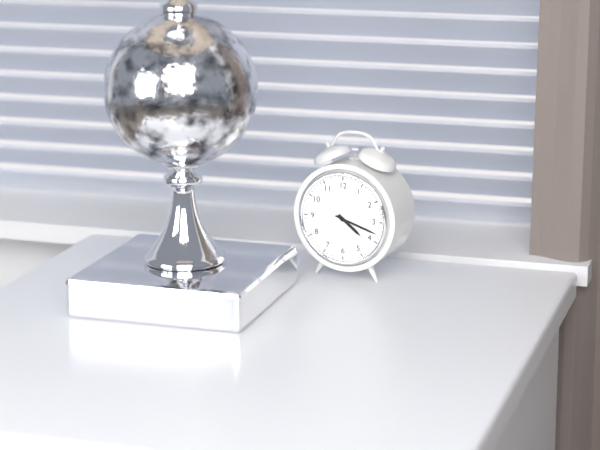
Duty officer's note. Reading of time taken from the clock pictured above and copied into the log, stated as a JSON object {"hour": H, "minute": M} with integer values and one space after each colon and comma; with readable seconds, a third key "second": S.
{"hour": 4, "minute": 18}
